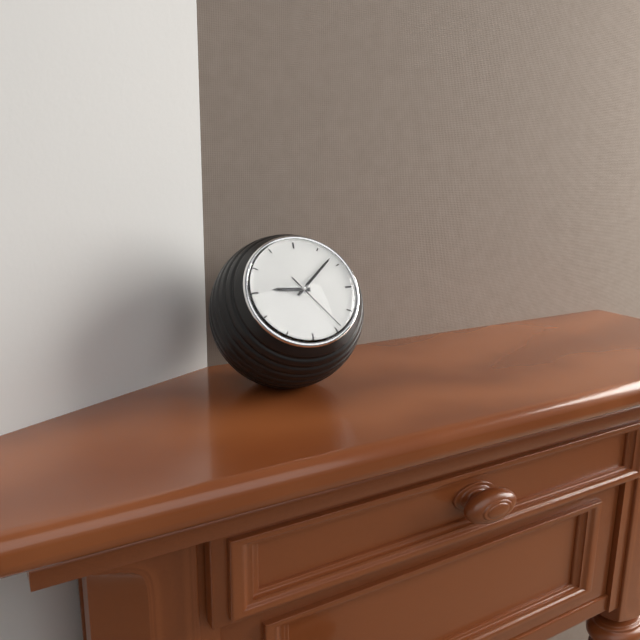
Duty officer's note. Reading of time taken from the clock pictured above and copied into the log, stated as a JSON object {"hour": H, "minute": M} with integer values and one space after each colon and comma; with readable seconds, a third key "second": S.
{"hour": 9, "minute": 8, "second": 24}
